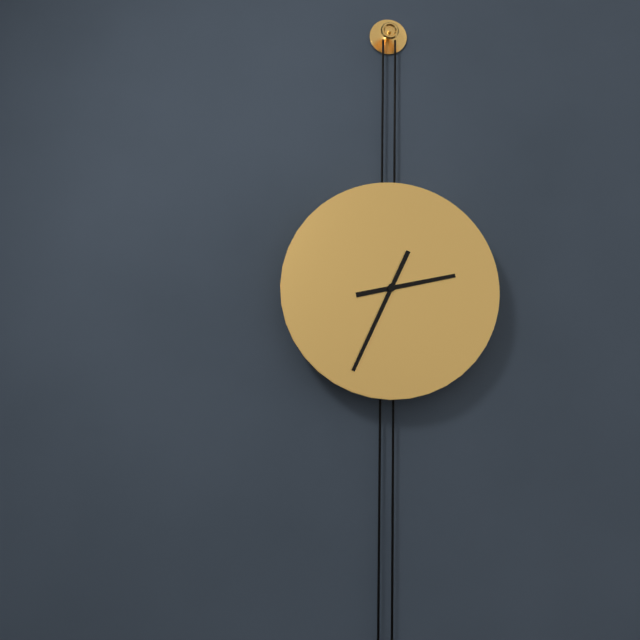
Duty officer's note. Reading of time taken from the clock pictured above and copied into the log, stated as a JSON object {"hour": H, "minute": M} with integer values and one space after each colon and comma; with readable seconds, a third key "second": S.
{"hour": 2, "minute": 34}
